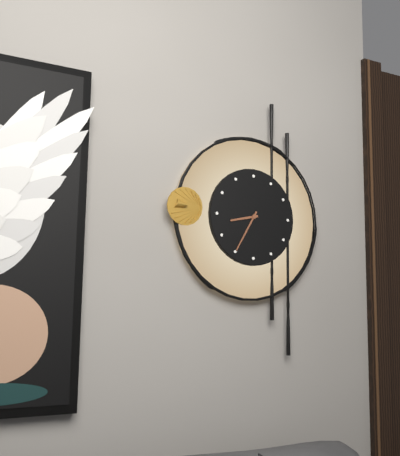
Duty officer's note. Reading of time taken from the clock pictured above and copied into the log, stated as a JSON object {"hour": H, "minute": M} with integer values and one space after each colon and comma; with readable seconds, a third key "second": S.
{"hour": 8, "minute": 35}
